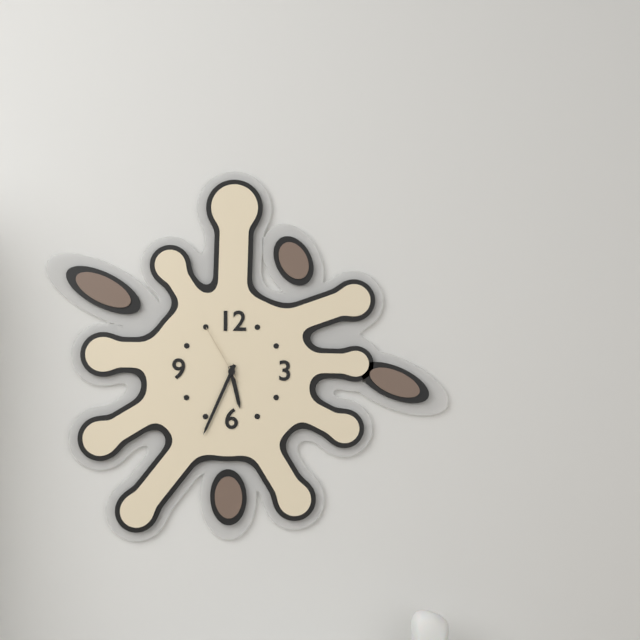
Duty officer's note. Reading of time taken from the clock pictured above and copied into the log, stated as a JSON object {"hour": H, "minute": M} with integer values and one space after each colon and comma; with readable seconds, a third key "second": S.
{"hour": 5, "minute": 34, "second": 55}
